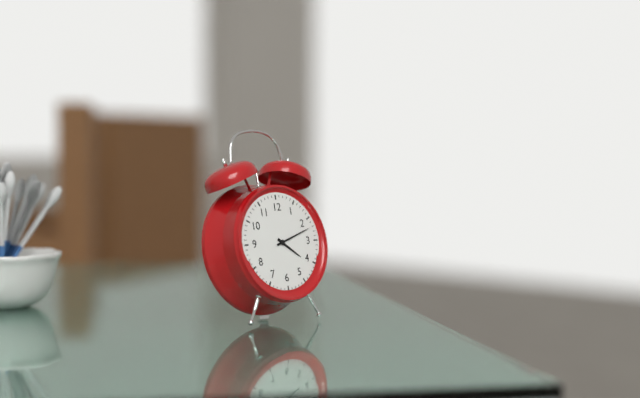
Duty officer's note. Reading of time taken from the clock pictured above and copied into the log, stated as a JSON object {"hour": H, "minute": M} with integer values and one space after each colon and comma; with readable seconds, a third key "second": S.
{"hour": 4, "minute": 12}
